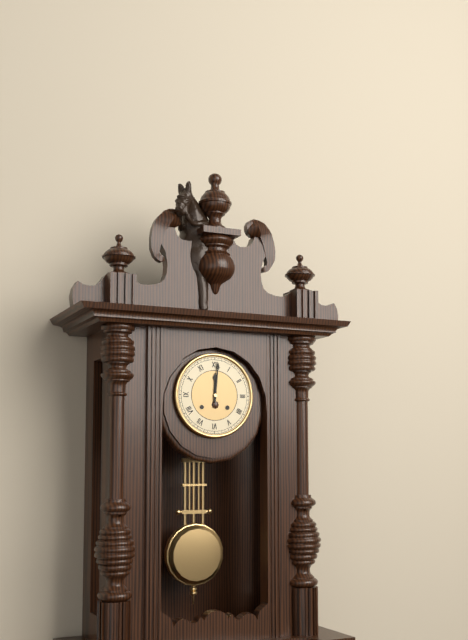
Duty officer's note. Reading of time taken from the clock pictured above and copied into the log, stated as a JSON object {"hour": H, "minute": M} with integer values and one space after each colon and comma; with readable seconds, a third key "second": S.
{"hour": 12, "minute": 1}
